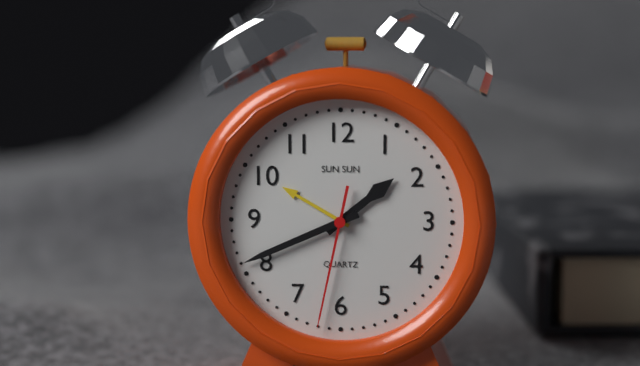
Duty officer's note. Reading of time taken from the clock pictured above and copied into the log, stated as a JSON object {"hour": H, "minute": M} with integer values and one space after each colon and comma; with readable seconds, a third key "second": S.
{"hour": 1, "minute": 41, "second": 32}
